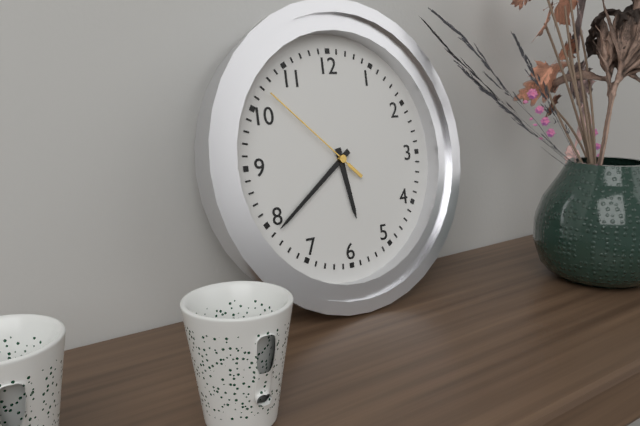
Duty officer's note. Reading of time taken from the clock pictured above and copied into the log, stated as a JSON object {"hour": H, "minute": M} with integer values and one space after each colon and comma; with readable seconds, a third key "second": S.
{"hour": 5, "minute": 39, "second": 52}
